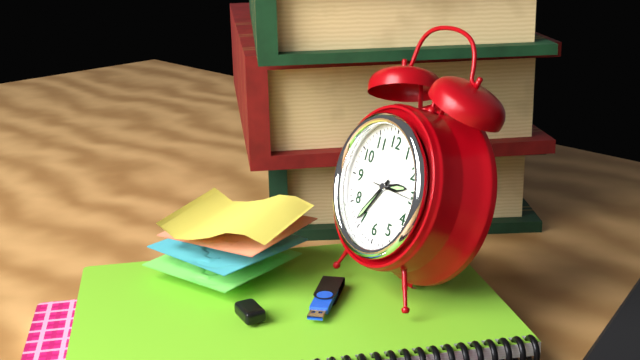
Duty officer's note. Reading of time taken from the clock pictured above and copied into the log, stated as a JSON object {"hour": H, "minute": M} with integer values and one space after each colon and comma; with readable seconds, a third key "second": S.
{"hour": 2, "minute": 36}
